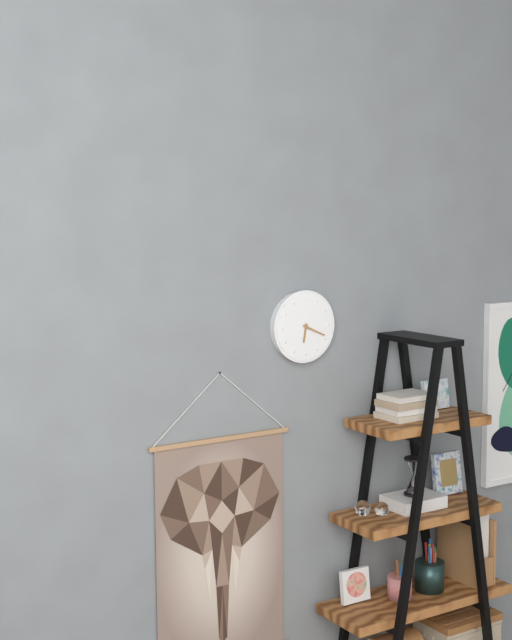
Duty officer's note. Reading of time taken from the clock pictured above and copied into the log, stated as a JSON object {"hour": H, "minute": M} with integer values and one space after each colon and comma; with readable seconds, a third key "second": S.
{"hour": 6, "minute": 19}
